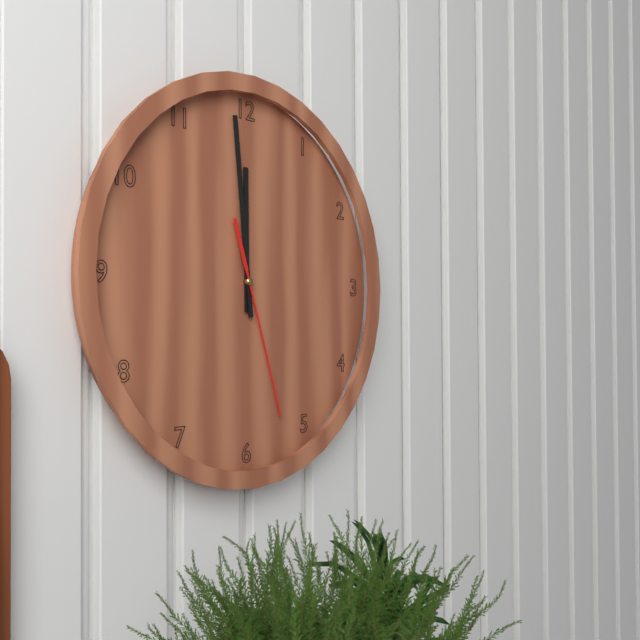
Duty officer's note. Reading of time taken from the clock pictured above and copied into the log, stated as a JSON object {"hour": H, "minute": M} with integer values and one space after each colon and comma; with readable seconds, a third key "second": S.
{"hour": 11, "minute": 59, "second": 27}
